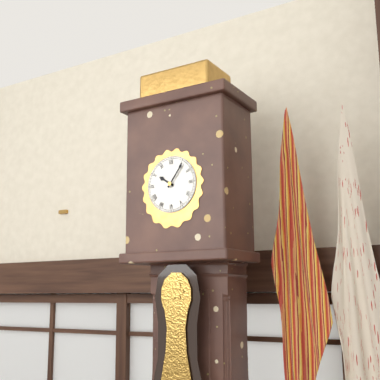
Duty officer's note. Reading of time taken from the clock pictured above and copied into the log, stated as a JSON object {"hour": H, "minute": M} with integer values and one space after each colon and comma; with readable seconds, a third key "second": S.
{"hour": 10, "minute": 6}
